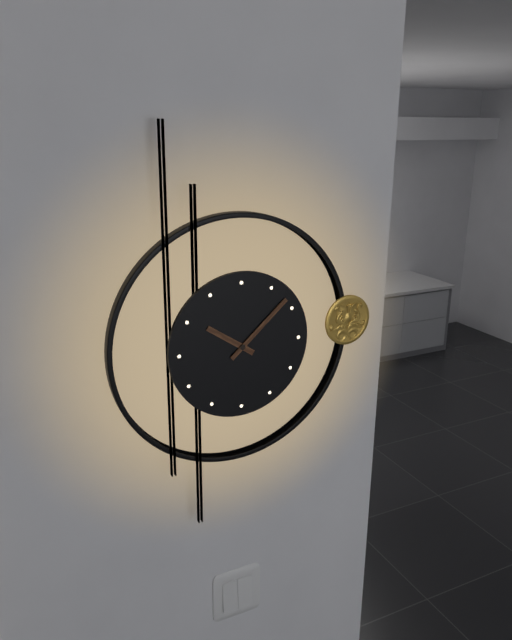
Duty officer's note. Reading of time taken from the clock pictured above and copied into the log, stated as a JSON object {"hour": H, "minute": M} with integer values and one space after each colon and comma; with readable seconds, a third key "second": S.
{"hour": 10, "minute": 8}
